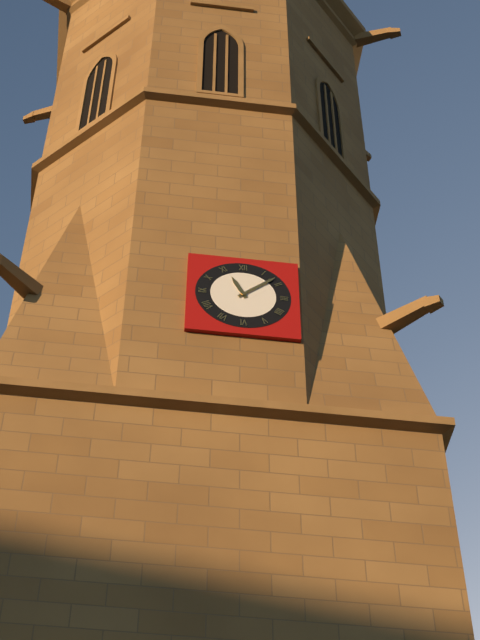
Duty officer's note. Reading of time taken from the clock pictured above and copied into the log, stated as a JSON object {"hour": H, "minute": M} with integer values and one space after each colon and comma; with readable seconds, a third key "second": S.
{"hour": 11, "minute": 8}
